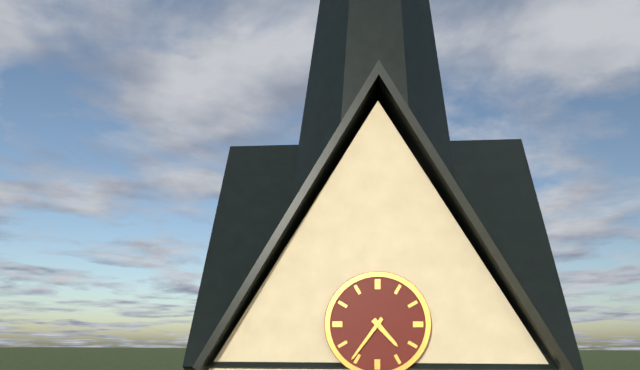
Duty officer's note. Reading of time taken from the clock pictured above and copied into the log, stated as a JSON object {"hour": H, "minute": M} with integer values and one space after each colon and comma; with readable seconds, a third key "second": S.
{"hour": 4, "minute": 36}
